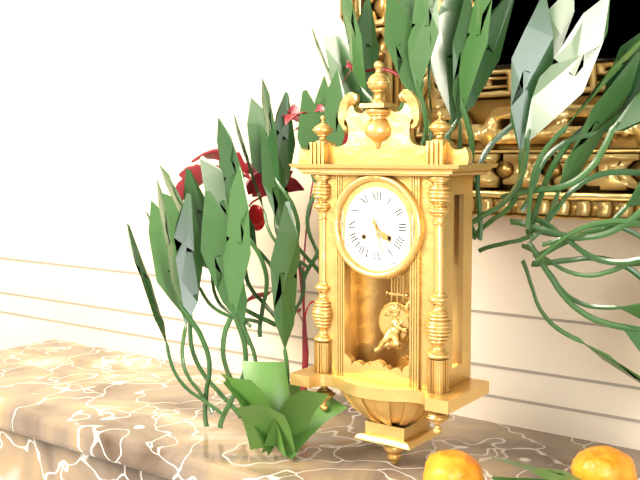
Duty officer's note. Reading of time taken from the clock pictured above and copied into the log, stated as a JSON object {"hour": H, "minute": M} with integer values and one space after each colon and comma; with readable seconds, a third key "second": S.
{"hour": 4, "minute": 27}
